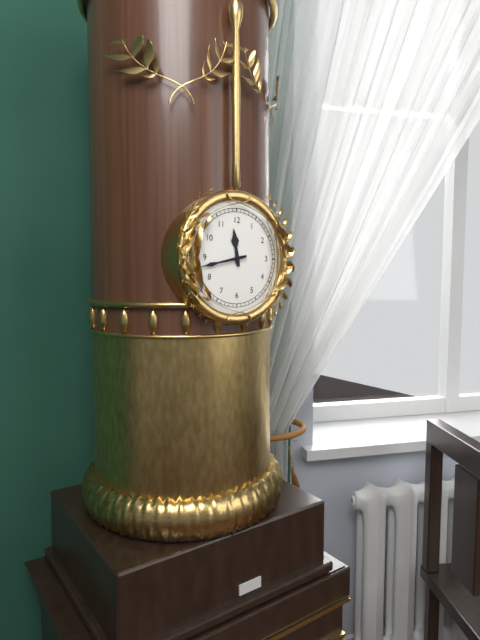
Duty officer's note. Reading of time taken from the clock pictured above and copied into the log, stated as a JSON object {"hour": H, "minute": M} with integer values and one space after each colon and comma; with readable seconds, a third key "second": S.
{"hour": 11, "minute": 43}
